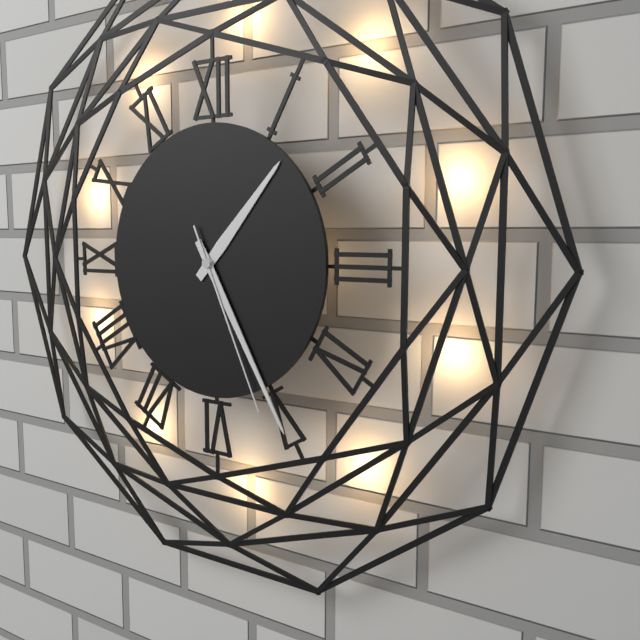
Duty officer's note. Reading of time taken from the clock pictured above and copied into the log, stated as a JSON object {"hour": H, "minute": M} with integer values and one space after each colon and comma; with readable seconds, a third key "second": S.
{"hour": 1, "minute": 25, "second": 26}
